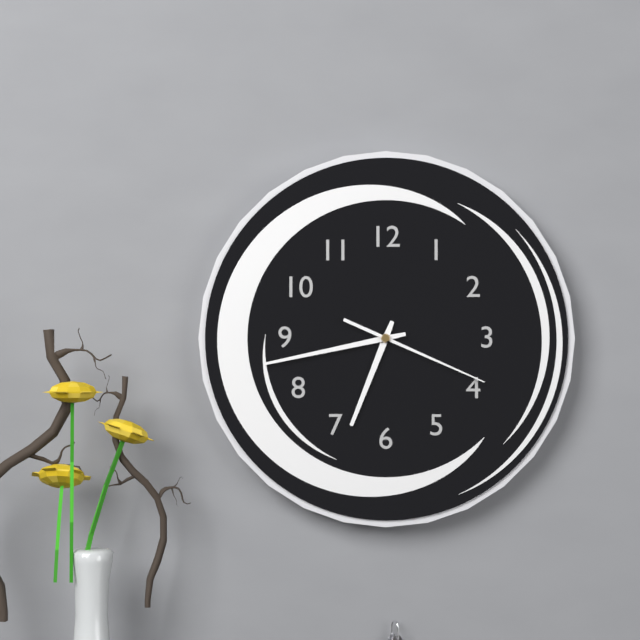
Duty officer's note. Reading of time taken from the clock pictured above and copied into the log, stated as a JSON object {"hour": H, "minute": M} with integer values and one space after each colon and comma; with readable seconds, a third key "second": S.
{"hour": 6, "minute": 43, "second": 19}
